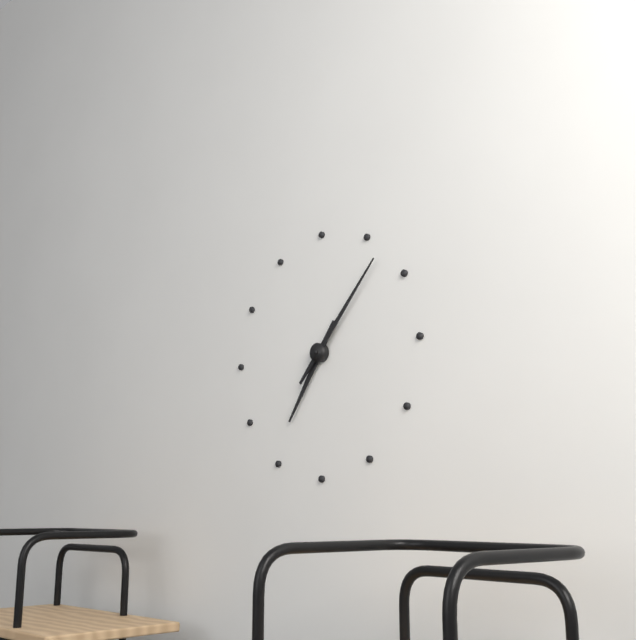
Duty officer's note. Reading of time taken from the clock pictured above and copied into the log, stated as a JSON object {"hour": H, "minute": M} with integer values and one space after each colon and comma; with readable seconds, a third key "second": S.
{"hour": 7, "minute": 7}
